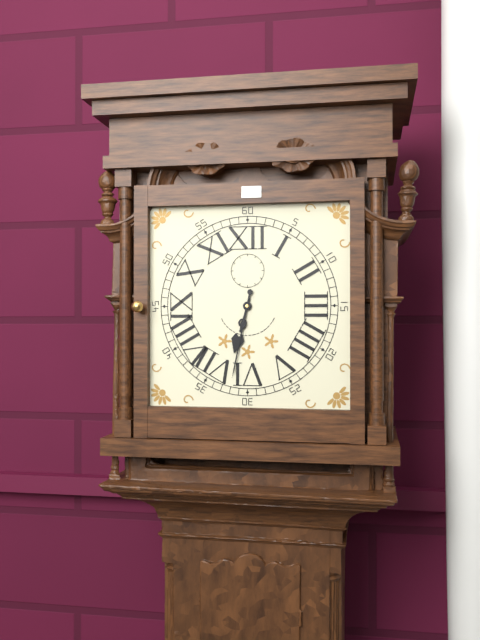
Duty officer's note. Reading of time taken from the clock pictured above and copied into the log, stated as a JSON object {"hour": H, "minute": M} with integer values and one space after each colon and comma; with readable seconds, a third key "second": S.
{"hour": 6, "minute": 32}
